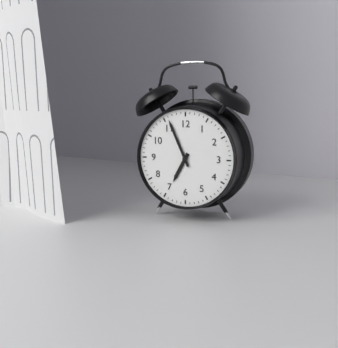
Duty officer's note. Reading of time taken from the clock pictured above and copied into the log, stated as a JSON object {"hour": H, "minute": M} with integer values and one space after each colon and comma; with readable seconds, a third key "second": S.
{"hour": 6, "minute": 56}
